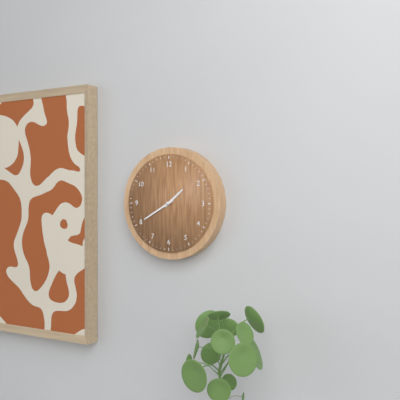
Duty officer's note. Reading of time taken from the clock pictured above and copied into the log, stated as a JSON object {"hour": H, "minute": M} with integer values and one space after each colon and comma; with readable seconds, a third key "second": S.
{"hour": 1, "minute": 40}
